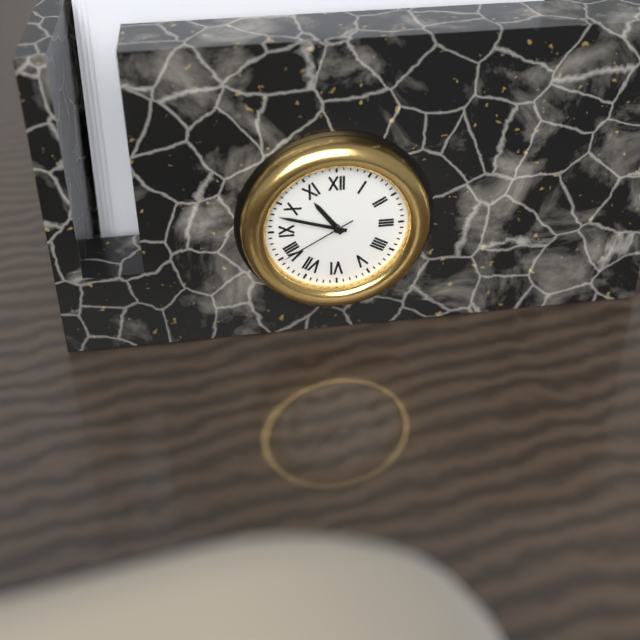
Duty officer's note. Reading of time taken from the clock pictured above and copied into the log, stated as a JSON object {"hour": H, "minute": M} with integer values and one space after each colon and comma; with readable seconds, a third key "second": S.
{"hour": 10, "minute": 48, "second": 40}
